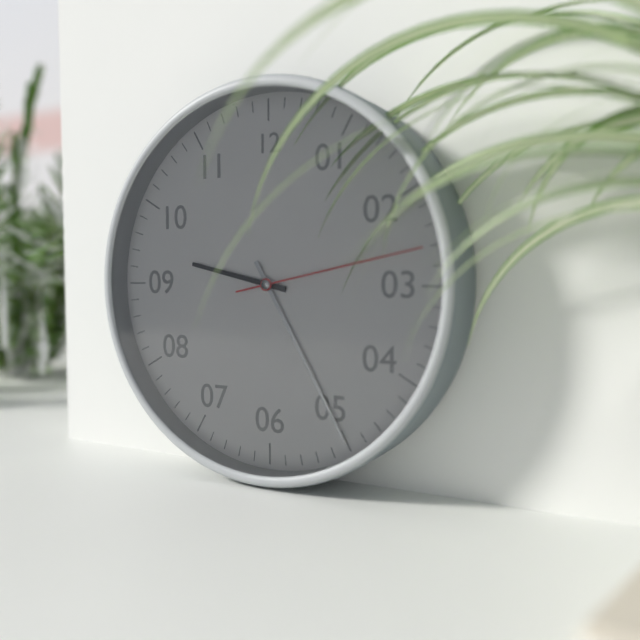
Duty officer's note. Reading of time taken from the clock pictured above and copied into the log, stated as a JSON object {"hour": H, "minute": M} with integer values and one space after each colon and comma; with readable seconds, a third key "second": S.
{"hour": 9, "minute": 25, "second": 13}
